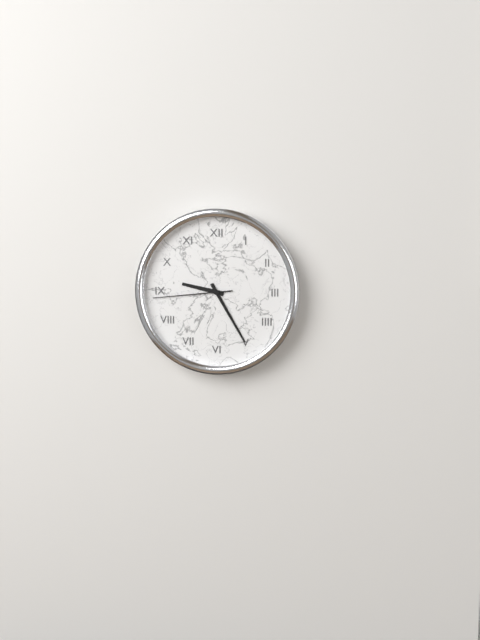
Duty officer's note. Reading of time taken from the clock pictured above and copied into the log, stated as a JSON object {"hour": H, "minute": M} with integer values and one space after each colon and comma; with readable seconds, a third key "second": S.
{"hour": 9, "minute": 25, "second": 44}
